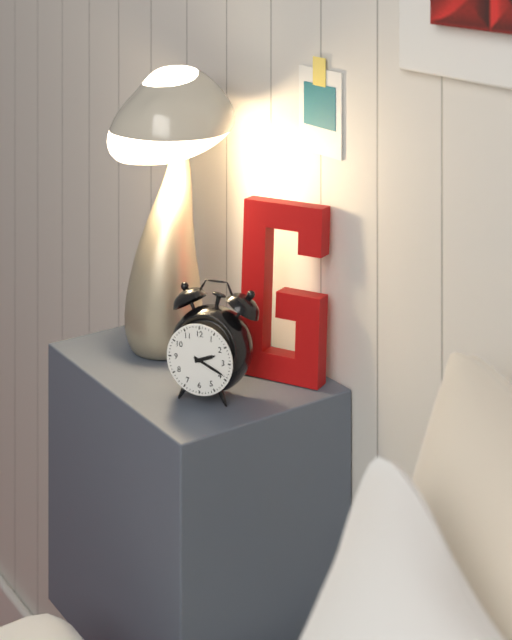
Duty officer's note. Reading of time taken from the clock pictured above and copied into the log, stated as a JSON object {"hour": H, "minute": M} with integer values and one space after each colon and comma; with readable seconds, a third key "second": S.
{"hour": 2, "minute": 19}
